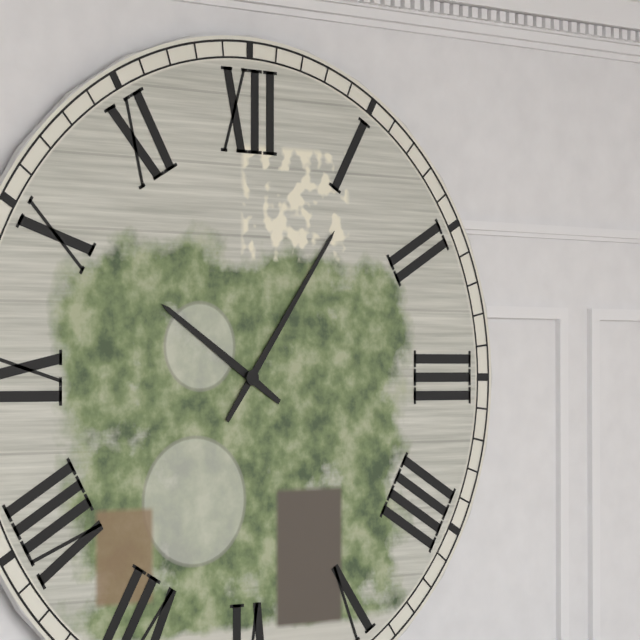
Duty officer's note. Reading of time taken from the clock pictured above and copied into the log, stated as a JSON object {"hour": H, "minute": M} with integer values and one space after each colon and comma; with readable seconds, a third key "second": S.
{"hour": 10, "minute": 6}
